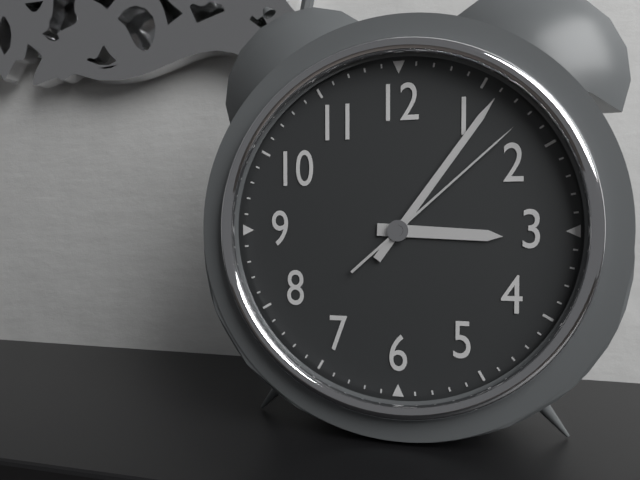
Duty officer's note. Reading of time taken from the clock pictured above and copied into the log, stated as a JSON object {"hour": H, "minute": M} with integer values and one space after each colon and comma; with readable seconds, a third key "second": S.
{"hour": 3, "minute": 6, "second": 8}
